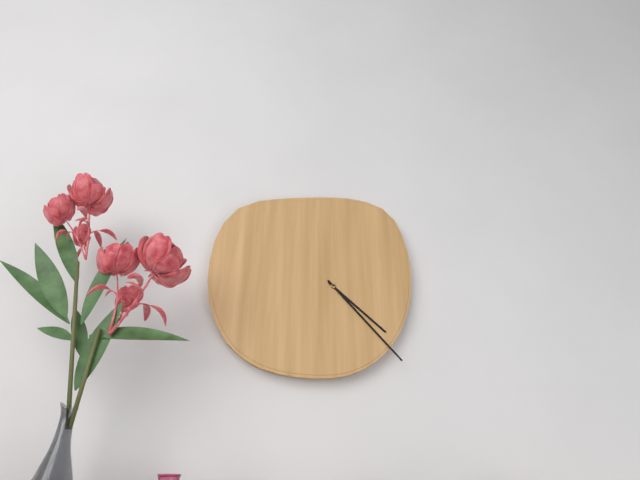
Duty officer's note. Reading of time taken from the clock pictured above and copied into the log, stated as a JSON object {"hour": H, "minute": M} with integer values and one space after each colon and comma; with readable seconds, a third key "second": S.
{"hour": 4, "minute": 23}
